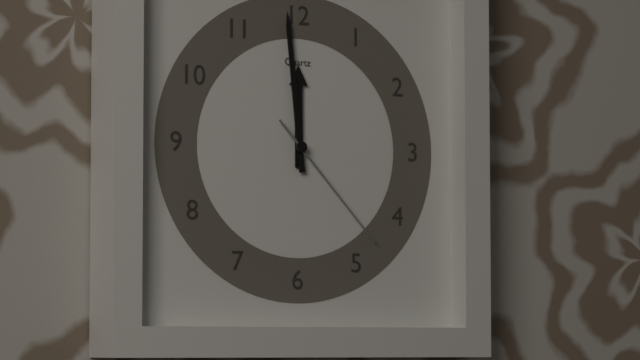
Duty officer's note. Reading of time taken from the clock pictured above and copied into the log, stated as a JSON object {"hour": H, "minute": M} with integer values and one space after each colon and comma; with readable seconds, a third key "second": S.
{"hour": 11, "minute": 59, "second": 23}
